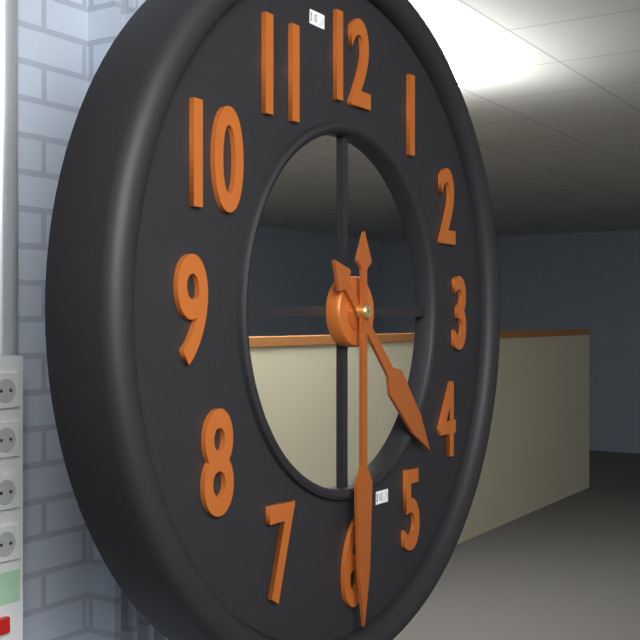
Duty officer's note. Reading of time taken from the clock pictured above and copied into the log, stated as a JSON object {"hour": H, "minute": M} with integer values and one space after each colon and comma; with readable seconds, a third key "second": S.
{"hour": 4, "minute": 30}
